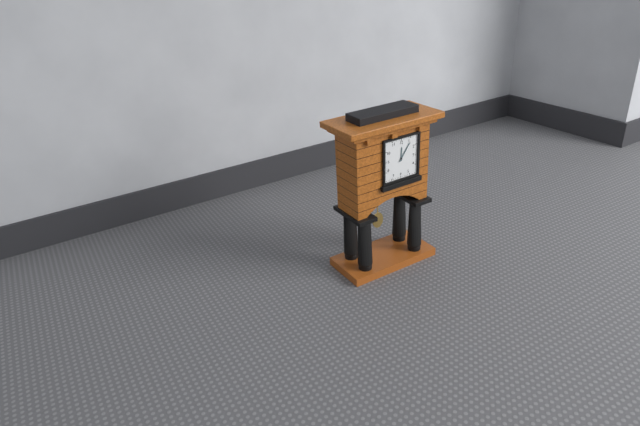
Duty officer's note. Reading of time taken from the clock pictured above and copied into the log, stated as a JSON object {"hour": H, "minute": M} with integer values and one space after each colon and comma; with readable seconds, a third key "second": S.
{"hour": 12, "minute": 6}
